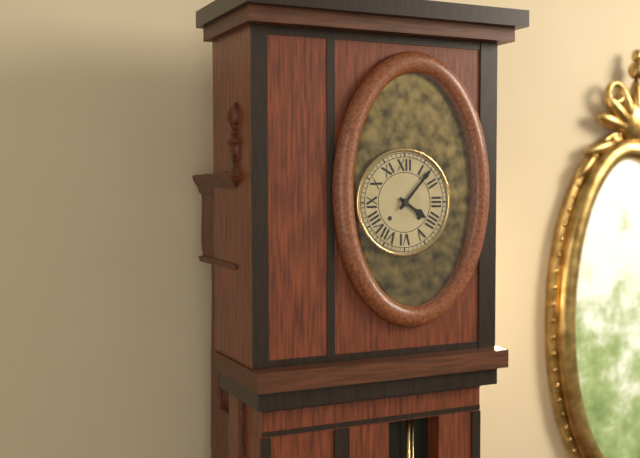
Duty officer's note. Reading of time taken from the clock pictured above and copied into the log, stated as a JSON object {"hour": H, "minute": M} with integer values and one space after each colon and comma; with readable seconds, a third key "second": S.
{"hour": 4, "minute": 7}
